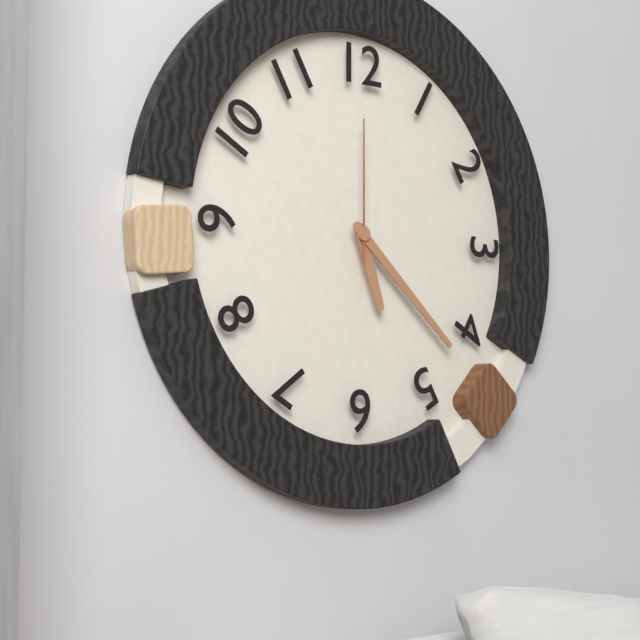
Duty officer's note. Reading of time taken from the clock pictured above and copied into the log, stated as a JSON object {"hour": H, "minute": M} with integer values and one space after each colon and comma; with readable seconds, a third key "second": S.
{"hour": 5, "minute": 22, "second": 0}
